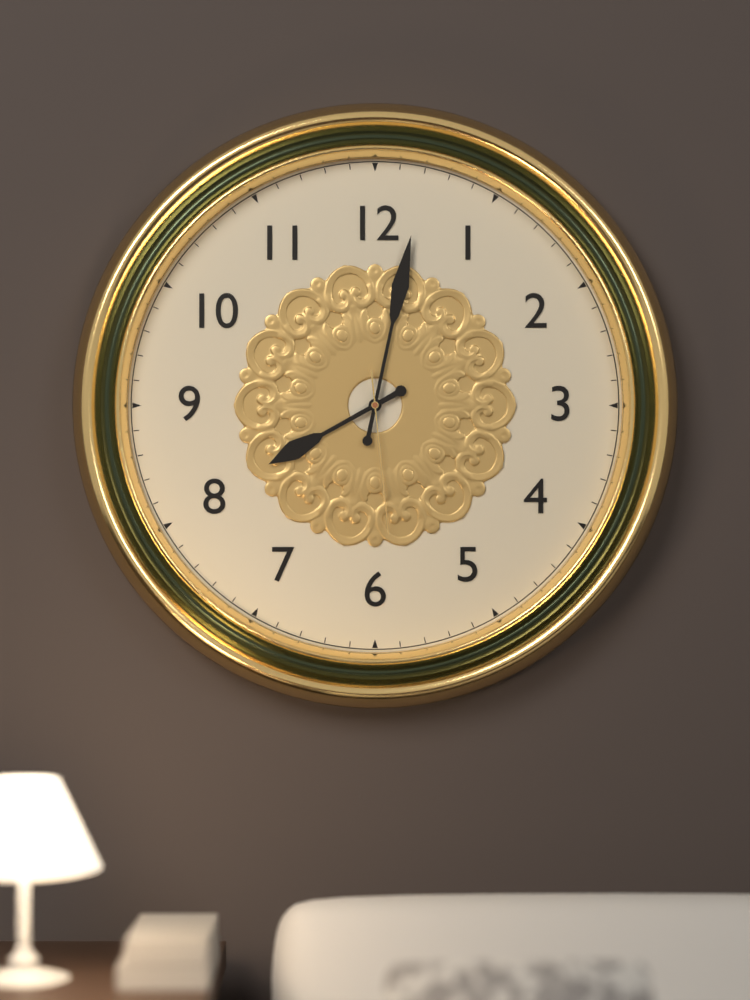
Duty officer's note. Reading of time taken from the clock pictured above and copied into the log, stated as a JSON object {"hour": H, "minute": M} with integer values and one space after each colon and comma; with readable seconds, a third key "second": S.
{"hour": 8, "minute": 2, "second": 29}
